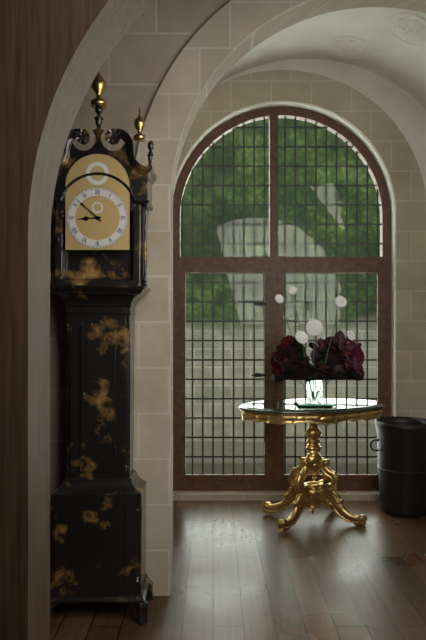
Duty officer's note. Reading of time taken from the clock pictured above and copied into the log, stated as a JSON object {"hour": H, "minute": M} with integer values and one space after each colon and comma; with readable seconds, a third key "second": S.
{"hour": 8, "minute": 52}
